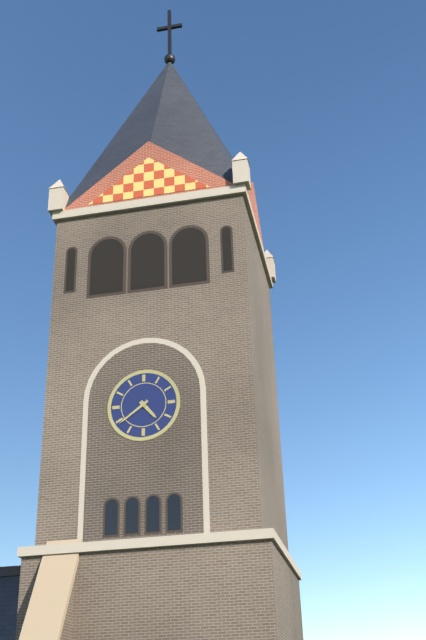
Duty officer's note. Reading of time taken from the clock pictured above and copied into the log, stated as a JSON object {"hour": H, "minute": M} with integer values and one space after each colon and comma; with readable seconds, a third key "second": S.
{"hour": 4, "minute": 39}
